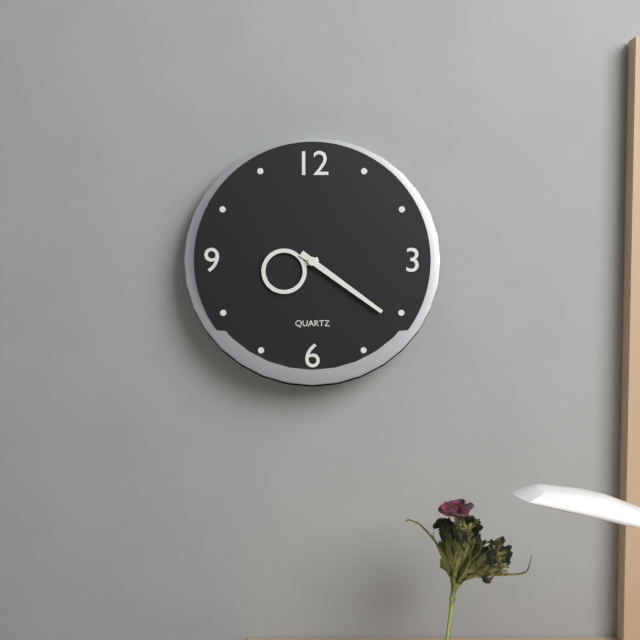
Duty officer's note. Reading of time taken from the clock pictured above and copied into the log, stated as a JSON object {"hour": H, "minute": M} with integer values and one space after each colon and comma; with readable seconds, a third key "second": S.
{"hour": 8, "minute": 21}
